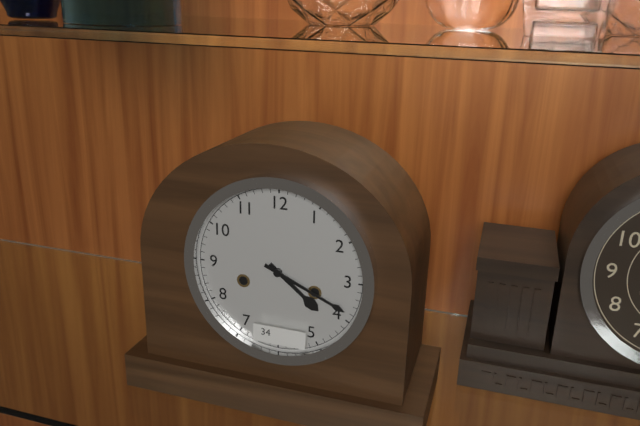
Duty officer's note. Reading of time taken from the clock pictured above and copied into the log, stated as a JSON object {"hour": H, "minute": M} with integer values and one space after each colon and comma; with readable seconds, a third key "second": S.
{"hour": 4, "minute": 19}
